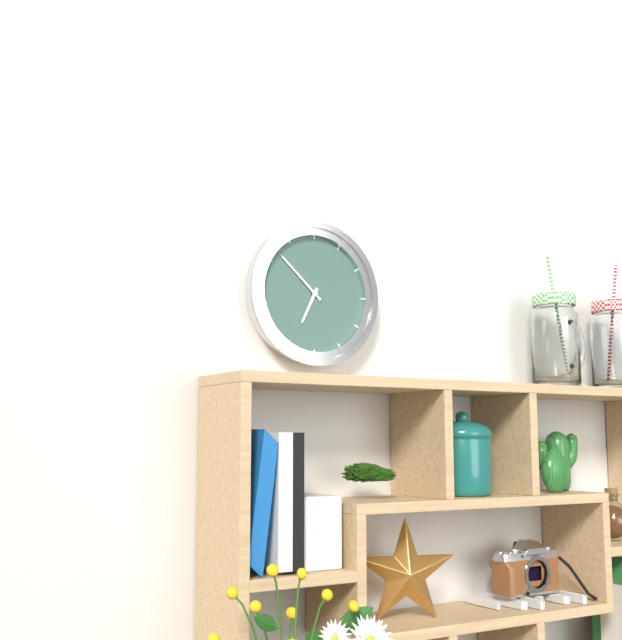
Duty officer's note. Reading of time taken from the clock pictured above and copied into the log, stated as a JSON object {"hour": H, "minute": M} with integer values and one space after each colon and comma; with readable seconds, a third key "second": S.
{"hour": 6, "minute": 52}
